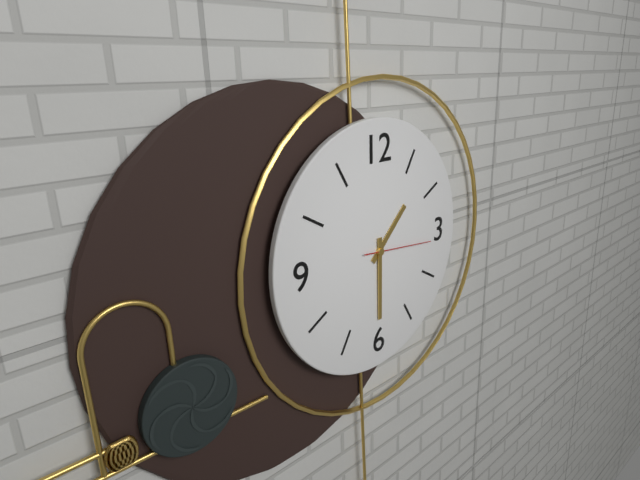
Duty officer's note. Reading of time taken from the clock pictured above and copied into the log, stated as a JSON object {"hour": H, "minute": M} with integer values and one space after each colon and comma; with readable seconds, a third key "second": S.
{"hour": 1, "minute": 30, "second": 16}
